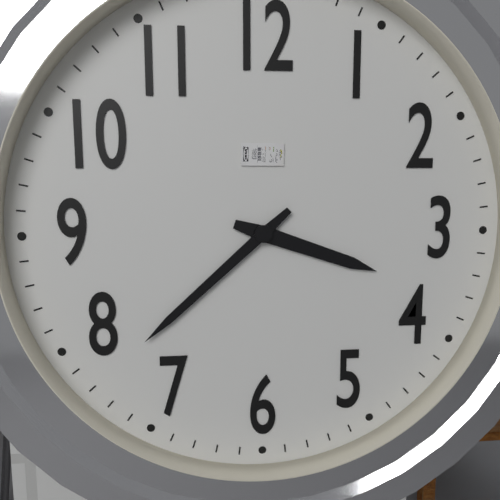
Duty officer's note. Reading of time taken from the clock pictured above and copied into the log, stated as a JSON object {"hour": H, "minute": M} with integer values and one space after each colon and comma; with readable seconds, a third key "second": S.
{"hour": 3, "minute": 38}
